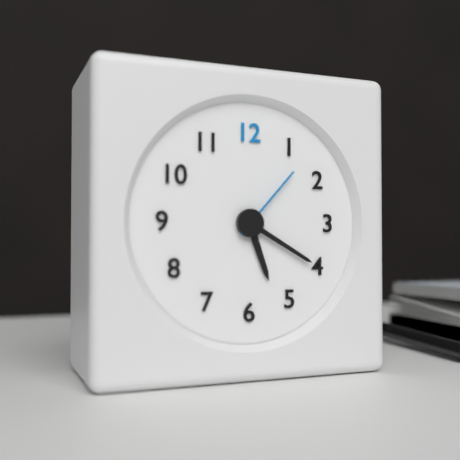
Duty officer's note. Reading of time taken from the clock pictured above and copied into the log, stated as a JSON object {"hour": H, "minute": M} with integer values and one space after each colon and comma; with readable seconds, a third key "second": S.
{"hour": 5, "minute": 20, "second": 7}
